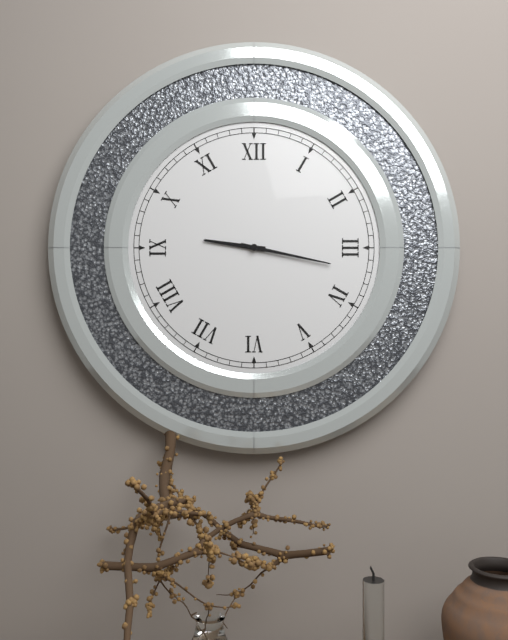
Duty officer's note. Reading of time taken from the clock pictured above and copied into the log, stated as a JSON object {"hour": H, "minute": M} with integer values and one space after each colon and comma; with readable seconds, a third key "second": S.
{"hour": 9, "minute": 17}
